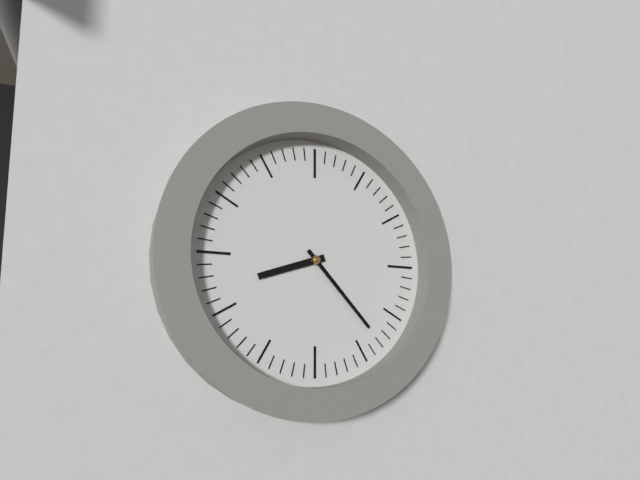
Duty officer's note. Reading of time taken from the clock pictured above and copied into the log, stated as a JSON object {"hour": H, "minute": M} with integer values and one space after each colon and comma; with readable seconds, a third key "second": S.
{"hour": 8, "minute": 23}
